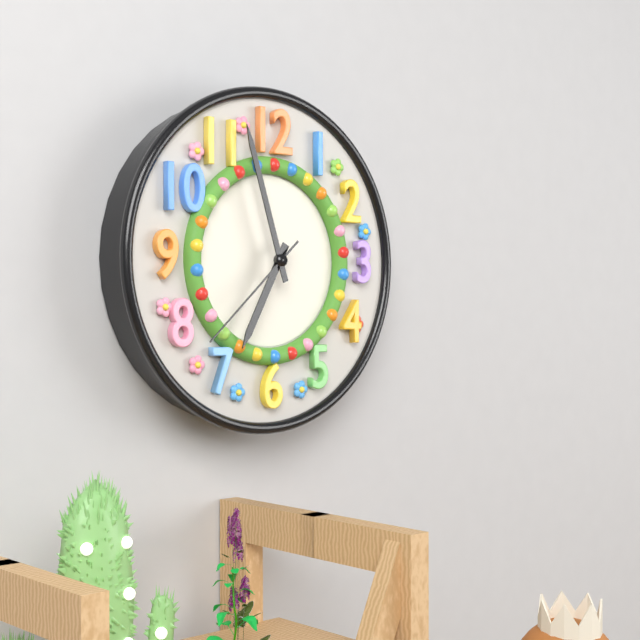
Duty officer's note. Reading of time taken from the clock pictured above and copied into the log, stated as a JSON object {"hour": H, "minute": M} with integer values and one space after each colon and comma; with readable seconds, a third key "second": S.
{"hour": 6, "minute": 57, "second": 38}
